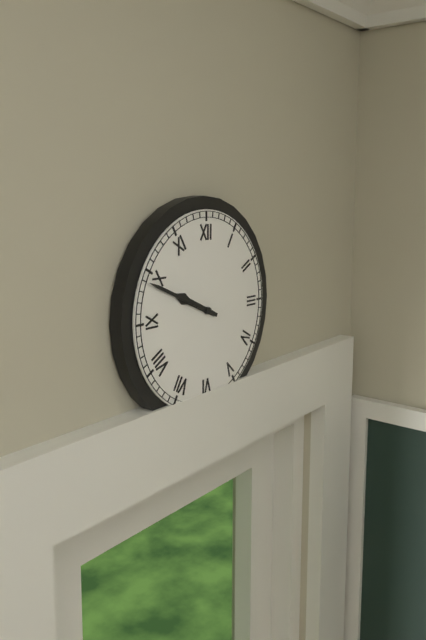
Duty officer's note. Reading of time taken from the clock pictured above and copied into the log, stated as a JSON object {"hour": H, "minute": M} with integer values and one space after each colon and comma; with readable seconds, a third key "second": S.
{"hour": 9, "minute": 49}
